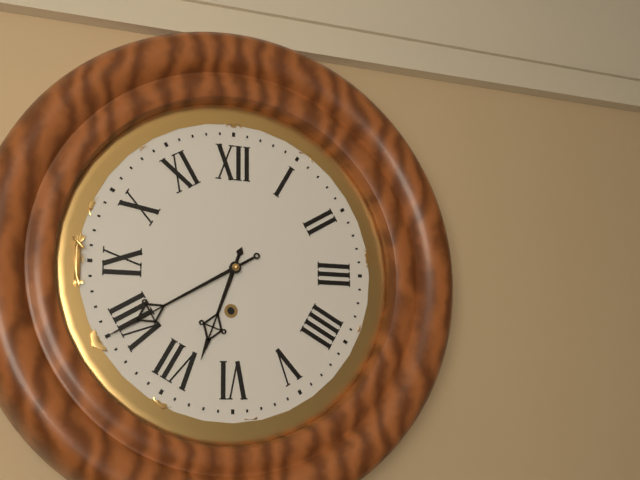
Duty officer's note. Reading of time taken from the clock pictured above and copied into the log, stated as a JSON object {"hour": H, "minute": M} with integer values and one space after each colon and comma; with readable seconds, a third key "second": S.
{"hour": 6, "minute": 40}
